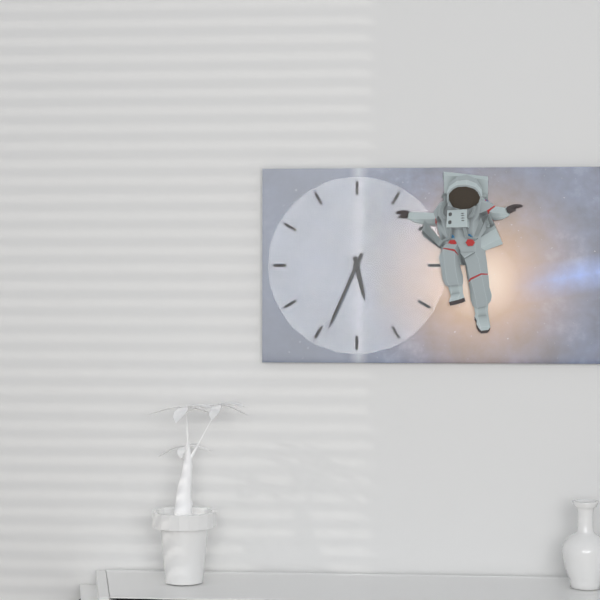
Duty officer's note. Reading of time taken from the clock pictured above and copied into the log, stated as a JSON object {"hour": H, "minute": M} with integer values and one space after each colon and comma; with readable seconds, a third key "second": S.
{"hour": 5, "minute": 34}
